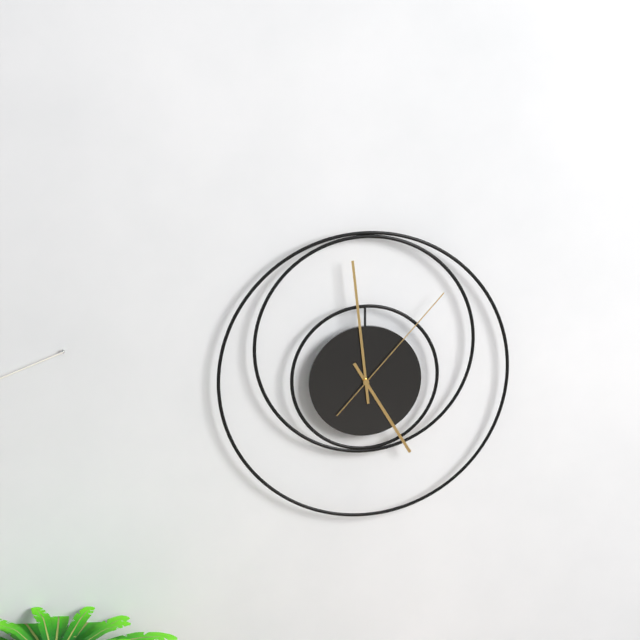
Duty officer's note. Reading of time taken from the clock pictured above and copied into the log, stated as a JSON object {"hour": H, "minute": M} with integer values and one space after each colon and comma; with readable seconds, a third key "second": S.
{"hour": 4, "minute": 59, "second": 7}
